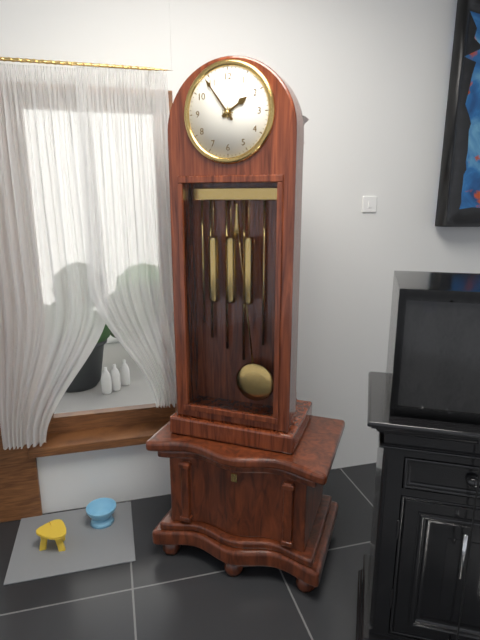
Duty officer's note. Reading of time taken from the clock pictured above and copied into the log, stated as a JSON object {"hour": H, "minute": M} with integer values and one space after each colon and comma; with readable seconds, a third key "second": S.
{"hour": 1, "minute": 54}
